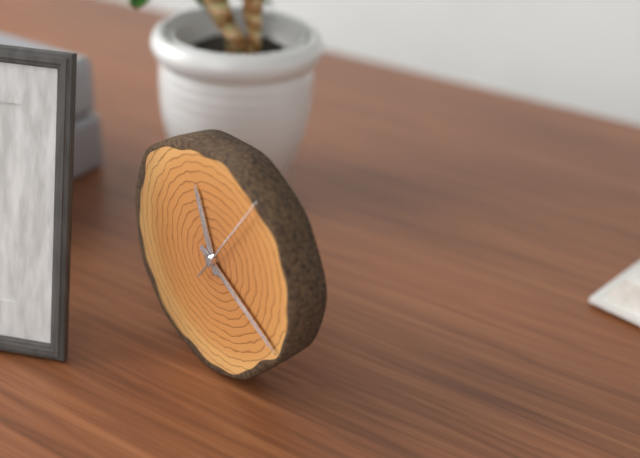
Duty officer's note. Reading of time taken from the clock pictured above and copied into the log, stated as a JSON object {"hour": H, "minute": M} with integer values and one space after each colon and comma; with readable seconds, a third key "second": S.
{"hour": 11, "minute": 20, "second": 6}
